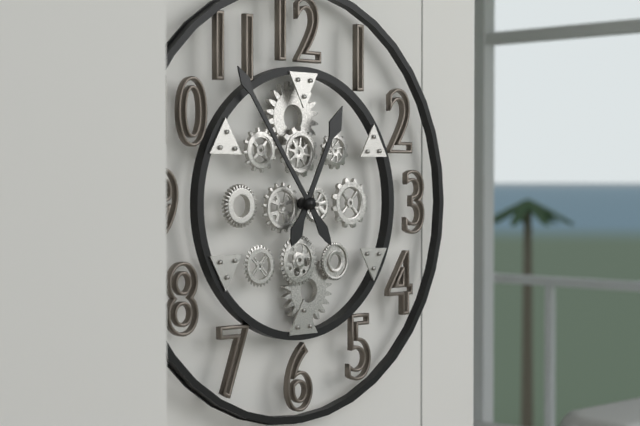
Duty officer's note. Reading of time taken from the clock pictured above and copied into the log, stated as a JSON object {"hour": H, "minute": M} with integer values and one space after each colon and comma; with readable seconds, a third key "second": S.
{"hour": 12, "minute": 54}
